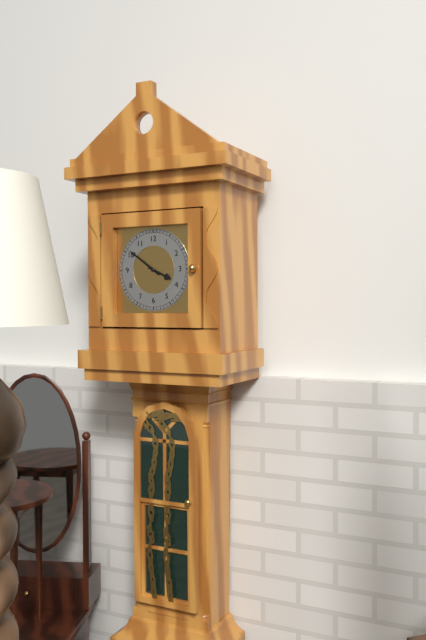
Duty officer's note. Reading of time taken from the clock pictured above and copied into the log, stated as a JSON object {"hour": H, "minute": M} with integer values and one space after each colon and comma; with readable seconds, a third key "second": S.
{"hour": 3, "minute": 51}
